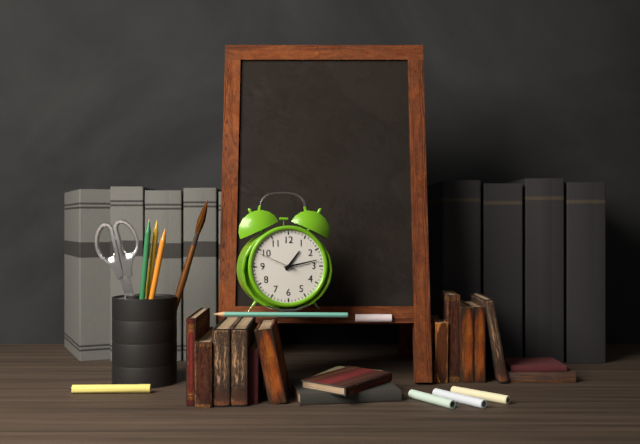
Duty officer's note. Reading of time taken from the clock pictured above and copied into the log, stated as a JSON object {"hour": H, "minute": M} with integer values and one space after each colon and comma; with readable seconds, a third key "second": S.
{"hour": 1, "minute": 13}
